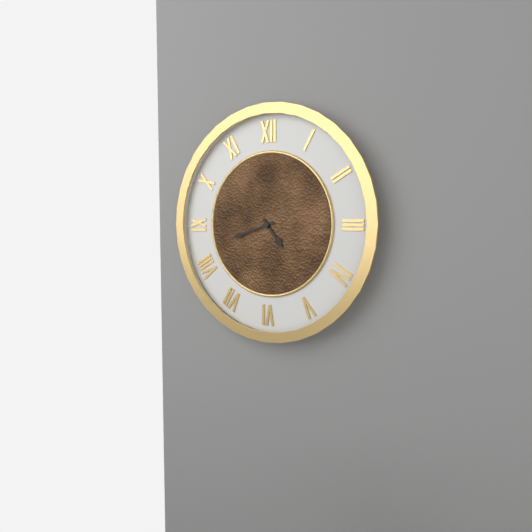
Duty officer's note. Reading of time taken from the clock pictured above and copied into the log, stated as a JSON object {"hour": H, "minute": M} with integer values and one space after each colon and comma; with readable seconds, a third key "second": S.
{"hour": 4, "minute": 42}
